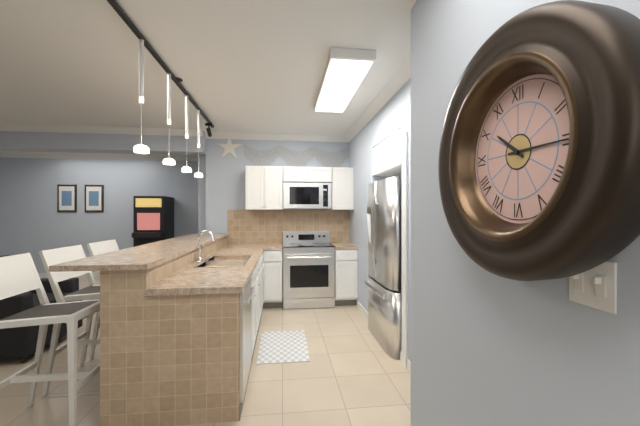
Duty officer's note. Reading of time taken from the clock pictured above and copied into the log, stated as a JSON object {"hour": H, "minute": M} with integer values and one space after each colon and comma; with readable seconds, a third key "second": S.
{"hour": 10, "minute": 15}
